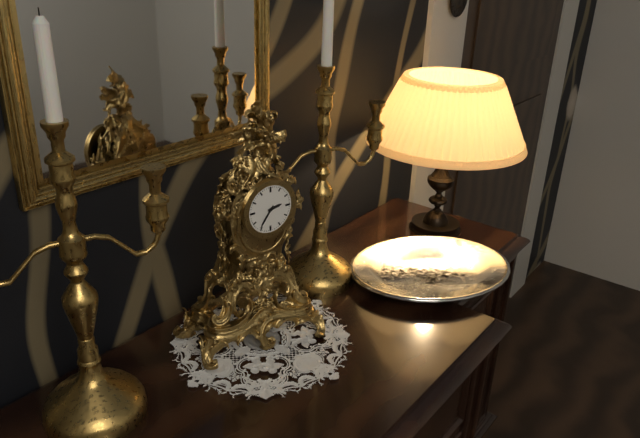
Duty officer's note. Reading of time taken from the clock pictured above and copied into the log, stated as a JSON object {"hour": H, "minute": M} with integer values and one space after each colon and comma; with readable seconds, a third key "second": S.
{"hour": 2, "minute": 36}
